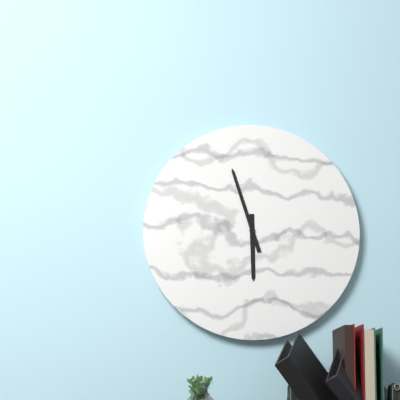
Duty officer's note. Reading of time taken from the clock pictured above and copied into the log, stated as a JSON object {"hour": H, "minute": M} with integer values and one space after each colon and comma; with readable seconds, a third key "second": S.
{"hour": 5, "minute": 57}
